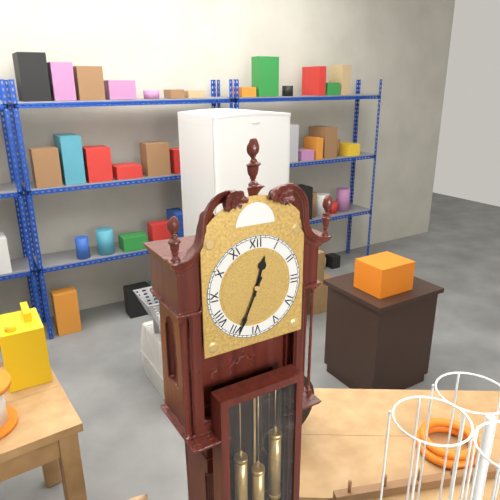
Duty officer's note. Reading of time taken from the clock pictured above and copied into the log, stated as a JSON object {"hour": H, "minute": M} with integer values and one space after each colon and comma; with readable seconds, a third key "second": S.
{"hour": 12, "minute": 34}
